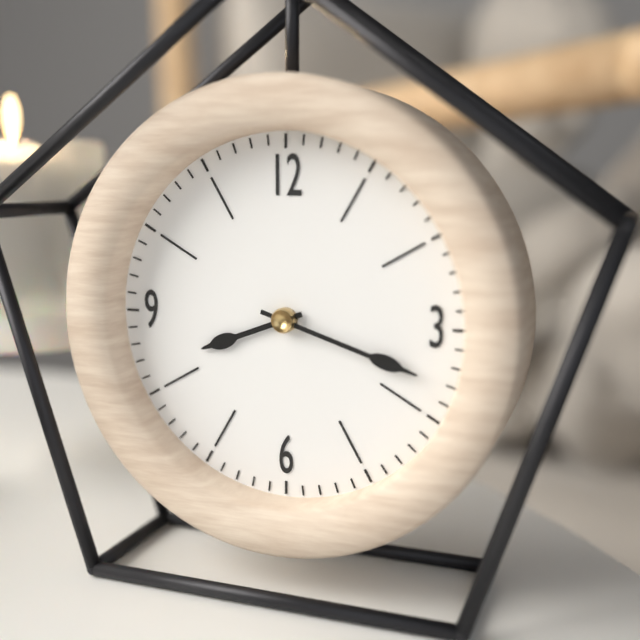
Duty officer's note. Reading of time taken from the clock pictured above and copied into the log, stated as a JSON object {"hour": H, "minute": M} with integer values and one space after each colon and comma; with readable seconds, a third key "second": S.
{"hour": 8, "minute": 18}
